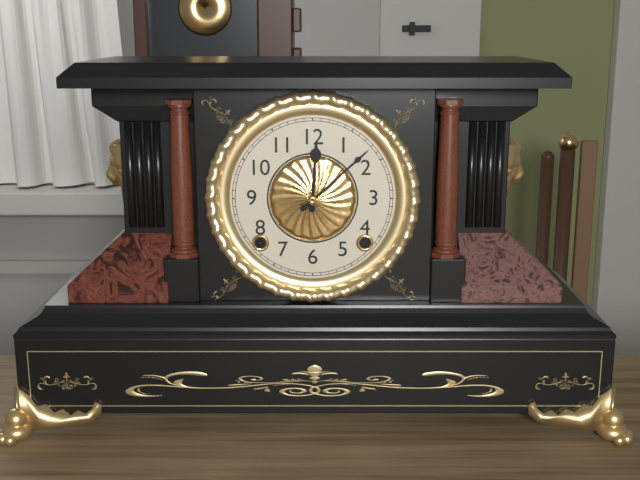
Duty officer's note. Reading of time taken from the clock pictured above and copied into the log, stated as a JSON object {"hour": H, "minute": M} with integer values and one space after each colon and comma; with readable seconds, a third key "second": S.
{"hour": 12, "minute": 8}
